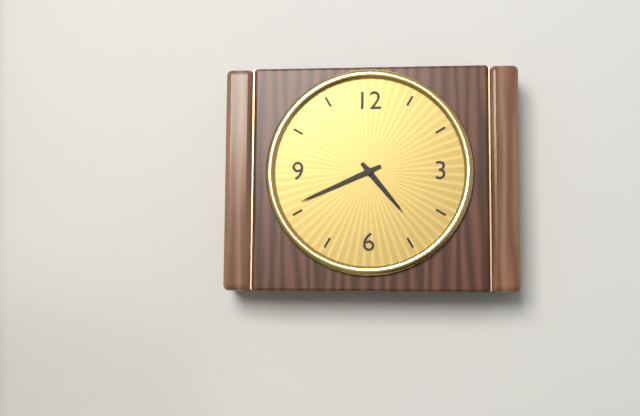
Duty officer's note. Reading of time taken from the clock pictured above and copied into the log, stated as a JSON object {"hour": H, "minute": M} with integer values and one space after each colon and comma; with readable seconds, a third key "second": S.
{"hour": 4, "minute": 41}
